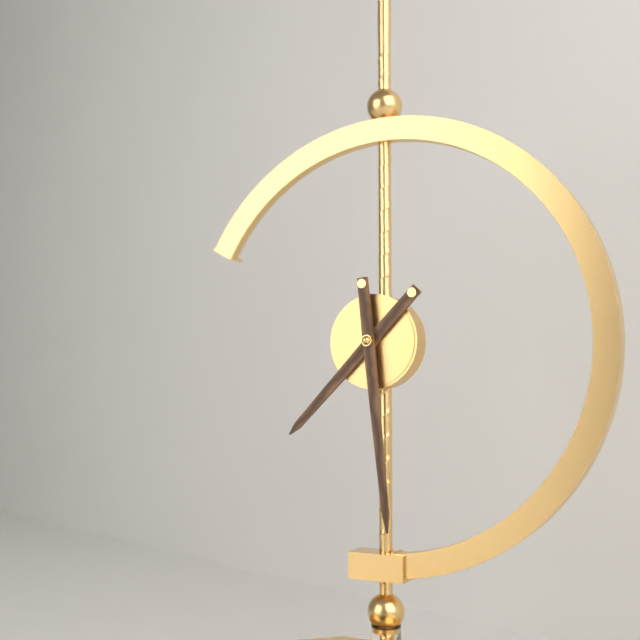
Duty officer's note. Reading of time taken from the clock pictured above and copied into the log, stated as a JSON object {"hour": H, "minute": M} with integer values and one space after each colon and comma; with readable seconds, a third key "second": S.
{"hour": 7, "minute": 29}
